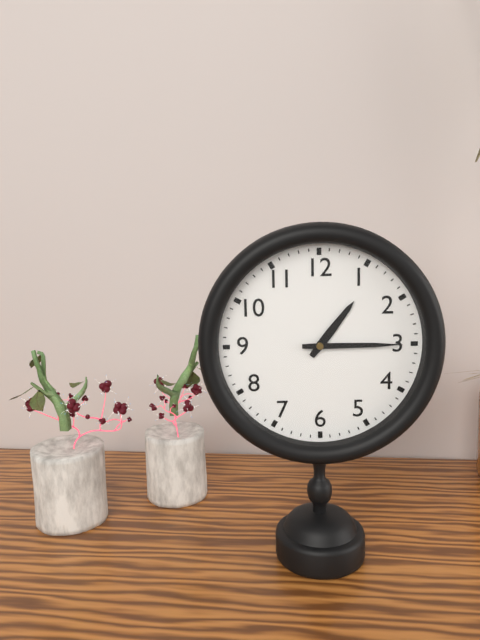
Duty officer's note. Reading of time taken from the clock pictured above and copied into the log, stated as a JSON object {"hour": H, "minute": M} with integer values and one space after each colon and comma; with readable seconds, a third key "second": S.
{"hour": 1, "minute": 15}
